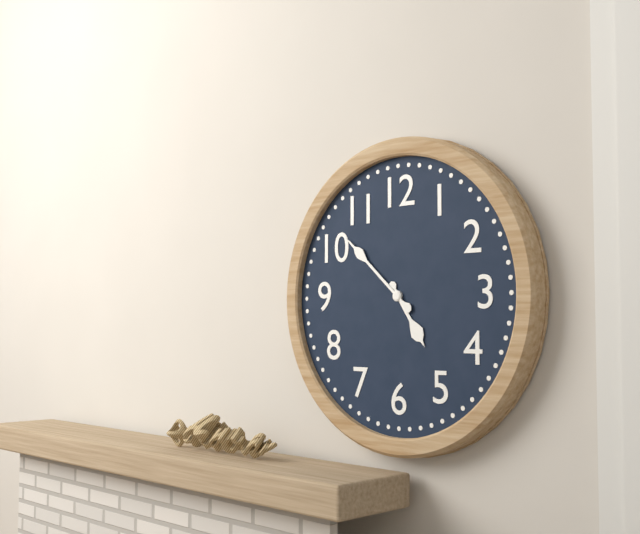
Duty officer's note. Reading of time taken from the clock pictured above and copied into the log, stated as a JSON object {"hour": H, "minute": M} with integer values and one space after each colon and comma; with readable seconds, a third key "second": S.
{"hour": 4, "minute": 52}
